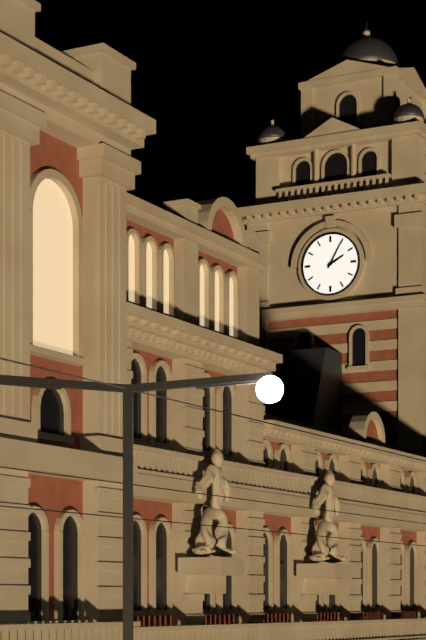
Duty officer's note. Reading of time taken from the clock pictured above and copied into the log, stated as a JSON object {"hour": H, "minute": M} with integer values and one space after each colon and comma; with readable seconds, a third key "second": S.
{"hour": 2, "minute": 5}
